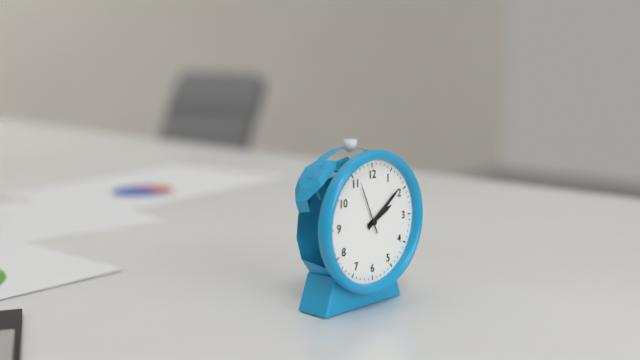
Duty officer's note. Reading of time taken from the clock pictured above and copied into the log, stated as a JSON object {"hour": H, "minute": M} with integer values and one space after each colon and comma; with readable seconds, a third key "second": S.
{"hour": 2, "minute": 9, "second": 56}
